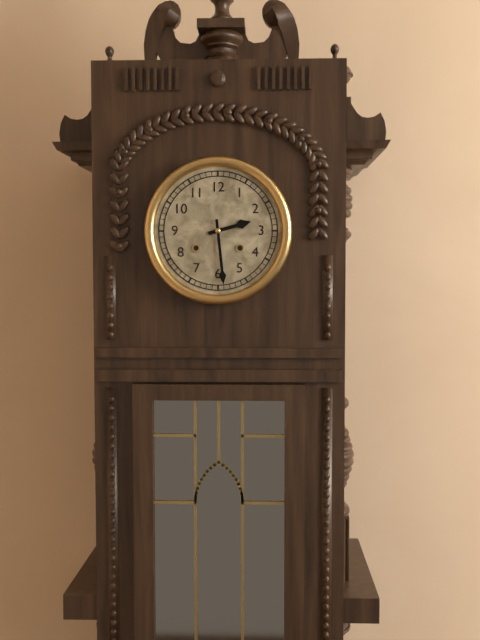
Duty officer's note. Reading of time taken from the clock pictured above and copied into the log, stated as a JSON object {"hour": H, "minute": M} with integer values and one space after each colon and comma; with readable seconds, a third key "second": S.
{"hour": 2, "minute": 29}
